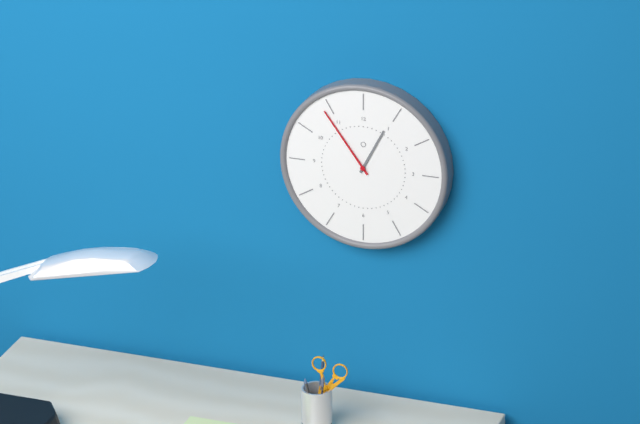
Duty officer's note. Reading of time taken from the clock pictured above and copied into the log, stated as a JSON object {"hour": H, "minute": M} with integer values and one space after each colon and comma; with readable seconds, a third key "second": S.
{"hour": 12, "minute": 54}
